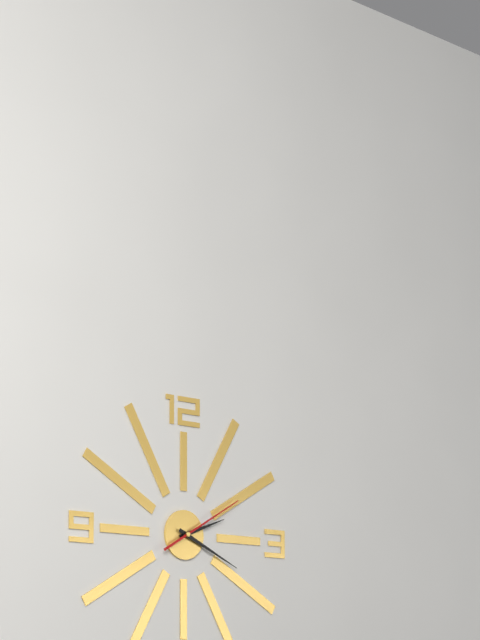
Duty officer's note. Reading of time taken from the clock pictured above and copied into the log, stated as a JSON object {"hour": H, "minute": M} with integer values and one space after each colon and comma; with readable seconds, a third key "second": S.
{"hour": 2, "minute": 19, "second": 10}
